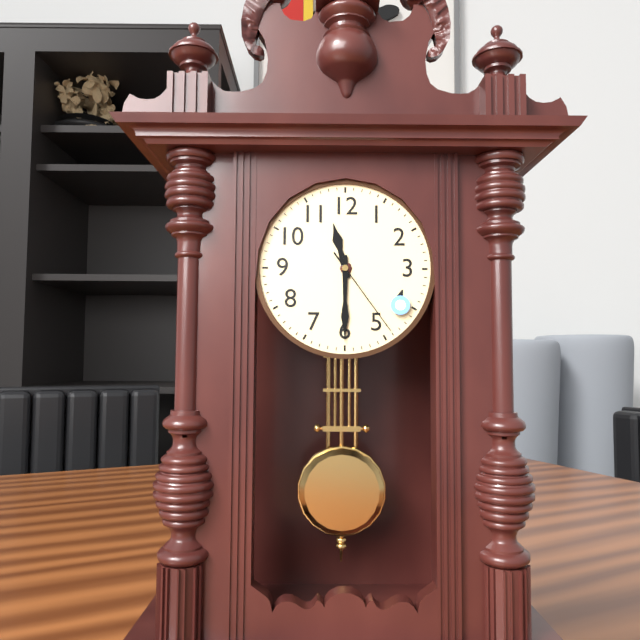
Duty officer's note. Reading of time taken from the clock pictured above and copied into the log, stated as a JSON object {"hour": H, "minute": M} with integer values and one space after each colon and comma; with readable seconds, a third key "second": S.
{"hour": 11, "minute": 30, "second": 24}
